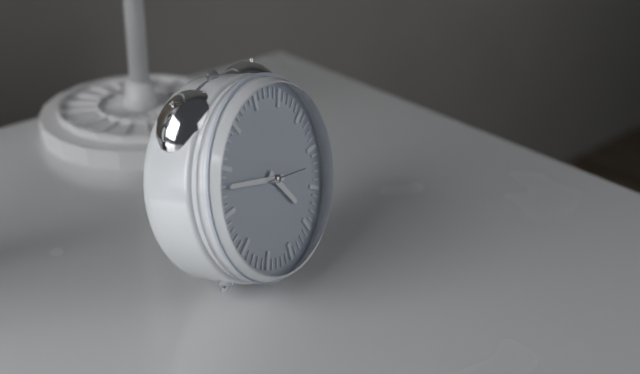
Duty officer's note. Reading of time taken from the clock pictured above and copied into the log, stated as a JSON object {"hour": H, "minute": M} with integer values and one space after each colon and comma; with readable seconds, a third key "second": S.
{"hour": 4, "minute": 48}
